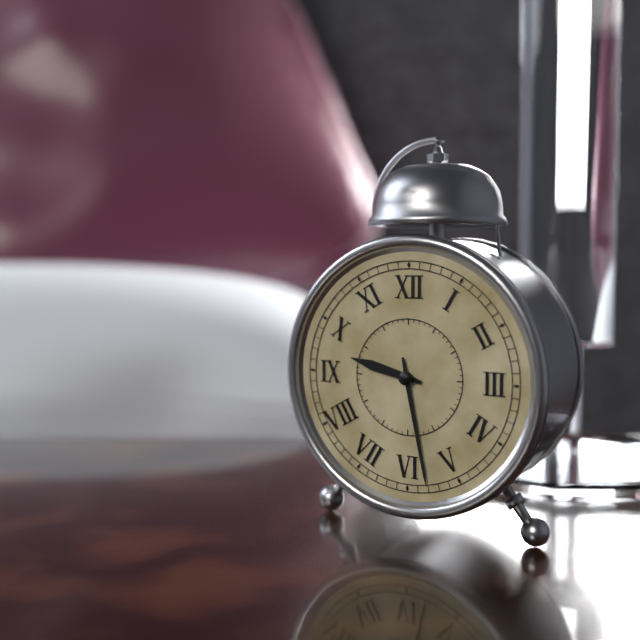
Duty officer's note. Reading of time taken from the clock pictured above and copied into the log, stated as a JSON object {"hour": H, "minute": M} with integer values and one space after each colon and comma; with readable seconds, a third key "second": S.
{"hour": 9, "minute": 28}
